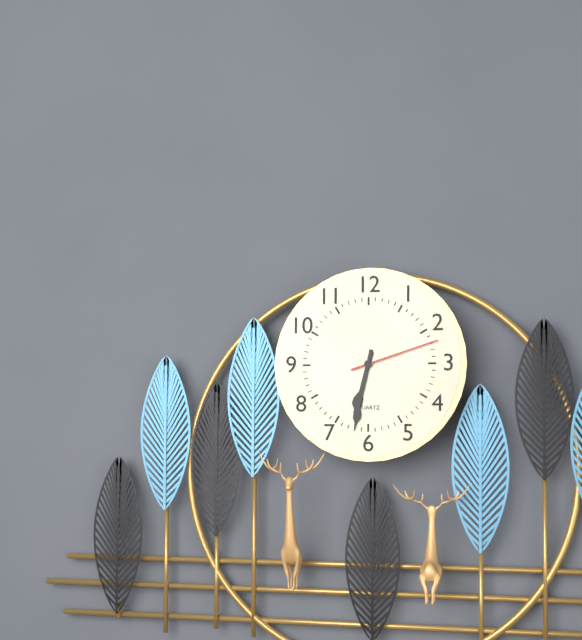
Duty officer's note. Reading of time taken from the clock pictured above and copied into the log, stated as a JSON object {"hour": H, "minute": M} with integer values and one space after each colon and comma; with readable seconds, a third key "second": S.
{"hour": 6, "minute": 32, "second": 12}
